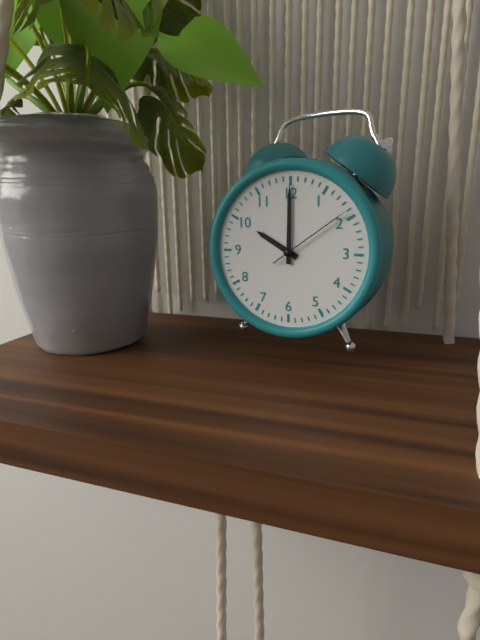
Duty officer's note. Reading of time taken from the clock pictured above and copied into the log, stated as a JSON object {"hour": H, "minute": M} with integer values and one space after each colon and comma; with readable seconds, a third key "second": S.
{"hour": 10, "minute": 0, "second": 9}
